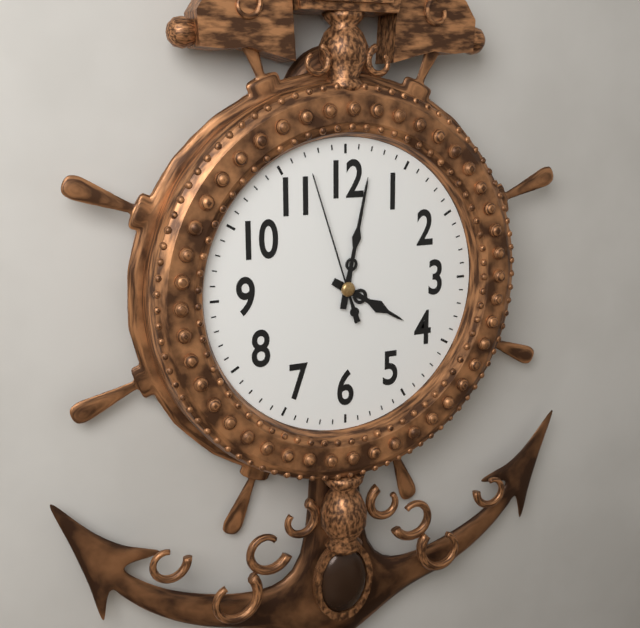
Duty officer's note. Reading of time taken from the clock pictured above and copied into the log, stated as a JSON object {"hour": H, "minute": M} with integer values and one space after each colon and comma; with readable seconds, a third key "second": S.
{"hour": 4, "minute": 2, "second": 57}
